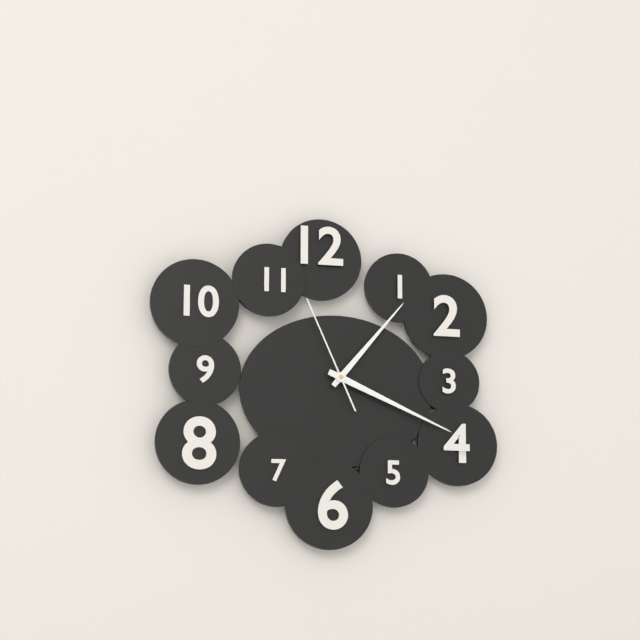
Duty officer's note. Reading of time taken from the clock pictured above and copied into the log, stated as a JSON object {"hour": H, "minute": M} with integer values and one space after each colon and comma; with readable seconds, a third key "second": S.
{"hour": 1, "minute": 19, "second": 56}
